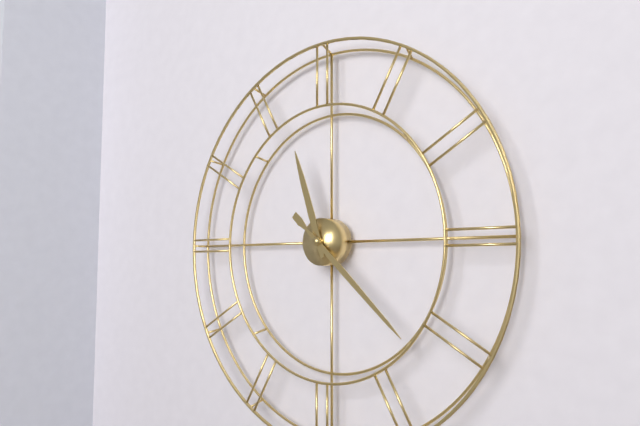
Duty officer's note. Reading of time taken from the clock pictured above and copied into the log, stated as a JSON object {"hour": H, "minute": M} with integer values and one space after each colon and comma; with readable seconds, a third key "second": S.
{"hour": 11, "minute": 22}
